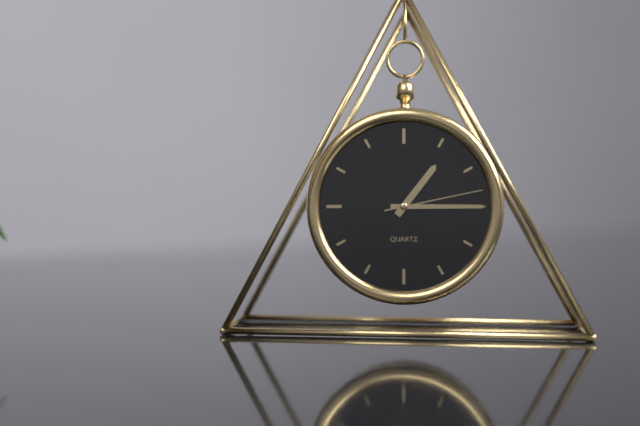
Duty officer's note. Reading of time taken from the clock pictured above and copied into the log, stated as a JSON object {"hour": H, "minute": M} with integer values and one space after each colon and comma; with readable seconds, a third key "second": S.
{"hour": 1, "minute": 15, "second": 13}
